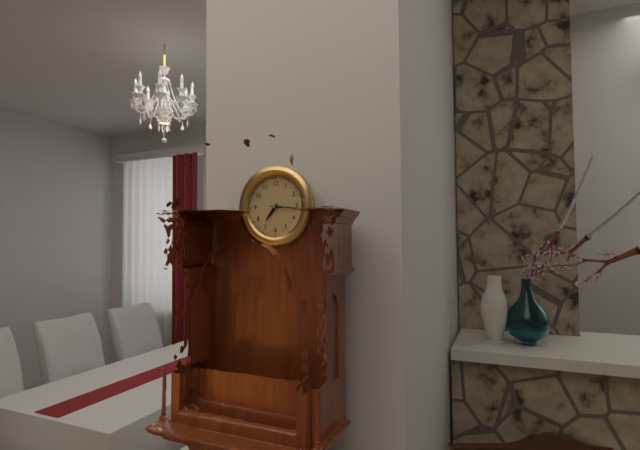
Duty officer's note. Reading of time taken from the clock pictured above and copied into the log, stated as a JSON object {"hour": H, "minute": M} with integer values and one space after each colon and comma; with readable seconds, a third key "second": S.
{"hour": 7, "minute": 16}
